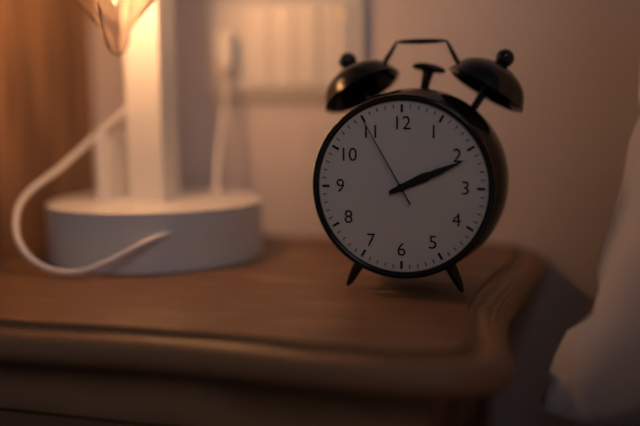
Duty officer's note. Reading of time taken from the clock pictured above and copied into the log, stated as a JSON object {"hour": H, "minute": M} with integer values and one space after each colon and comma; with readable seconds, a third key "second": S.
{"hour": 2, "minute": 11, "second": 55}
